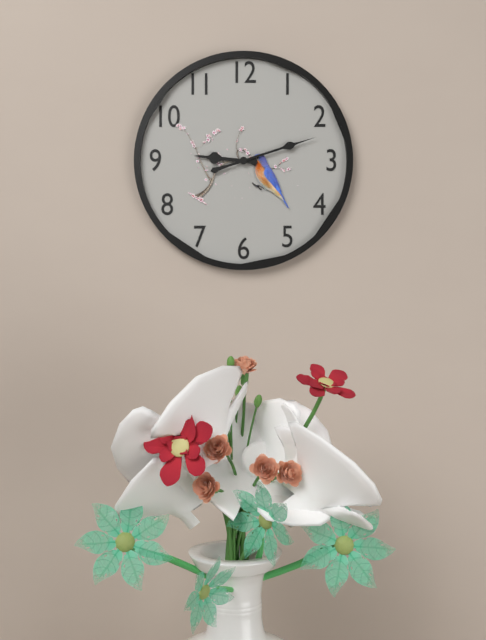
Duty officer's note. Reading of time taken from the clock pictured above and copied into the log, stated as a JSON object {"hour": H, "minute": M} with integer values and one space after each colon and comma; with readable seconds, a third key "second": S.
{"hour": 9, "minute": 12}
